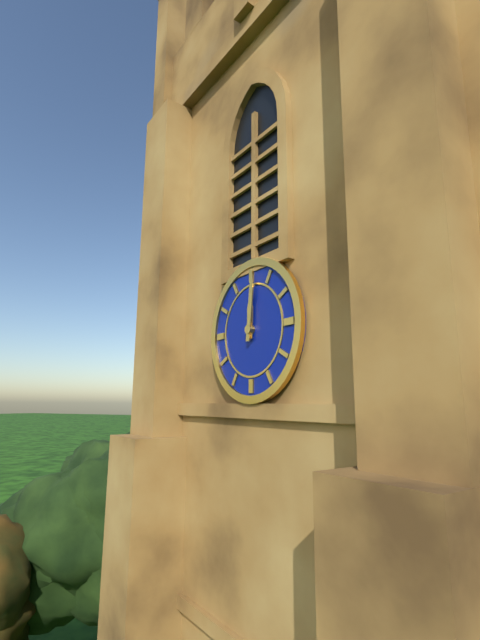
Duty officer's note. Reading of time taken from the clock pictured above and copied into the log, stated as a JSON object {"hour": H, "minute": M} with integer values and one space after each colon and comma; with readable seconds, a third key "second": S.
{"hour": 12, "minute": 1}
